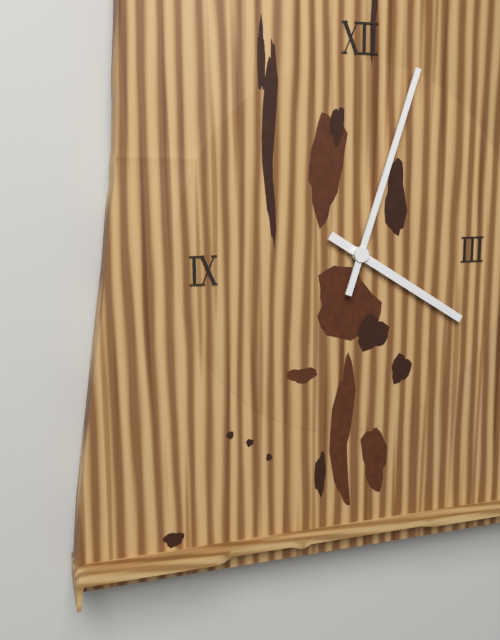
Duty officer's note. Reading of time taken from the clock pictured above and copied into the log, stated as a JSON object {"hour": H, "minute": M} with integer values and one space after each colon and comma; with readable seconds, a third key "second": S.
{"hour": 4, "minute": 3}
